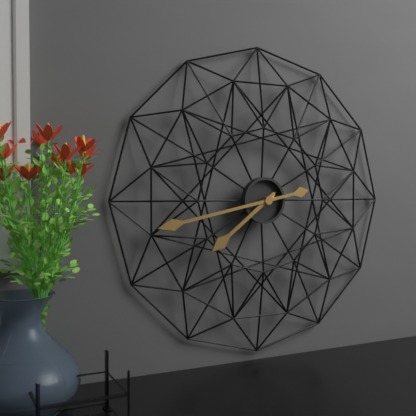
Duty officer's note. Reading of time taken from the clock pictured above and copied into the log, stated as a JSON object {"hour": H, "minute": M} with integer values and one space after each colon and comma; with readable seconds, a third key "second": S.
{"hour": 7, "minute": 43}
